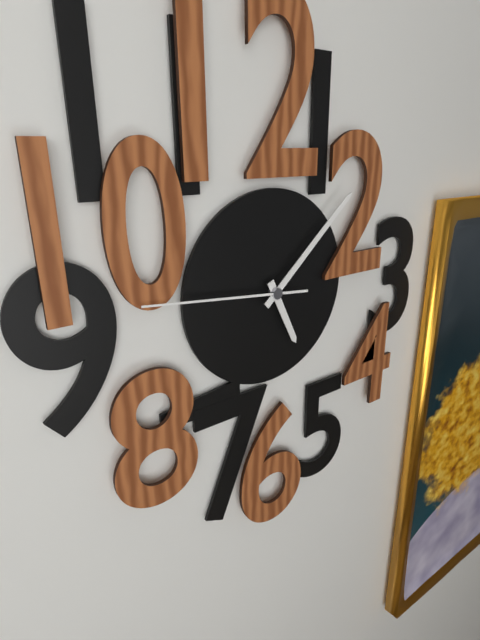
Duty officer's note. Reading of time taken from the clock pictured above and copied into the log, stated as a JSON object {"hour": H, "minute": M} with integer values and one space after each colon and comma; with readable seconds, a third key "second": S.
{"hour": 5, "minute": 8, "second": 46}
